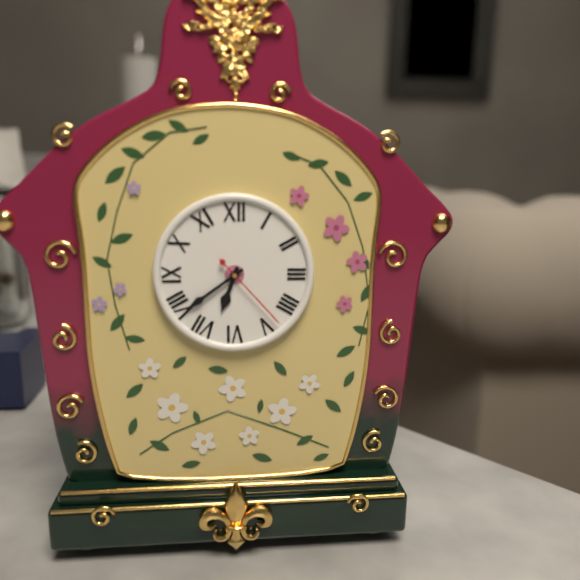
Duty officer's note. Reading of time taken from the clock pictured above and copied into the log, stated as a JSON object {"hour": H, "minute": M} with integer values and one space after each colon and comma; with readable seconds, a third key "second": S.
{"hour": 6, "minute": 39, "second": 23}
